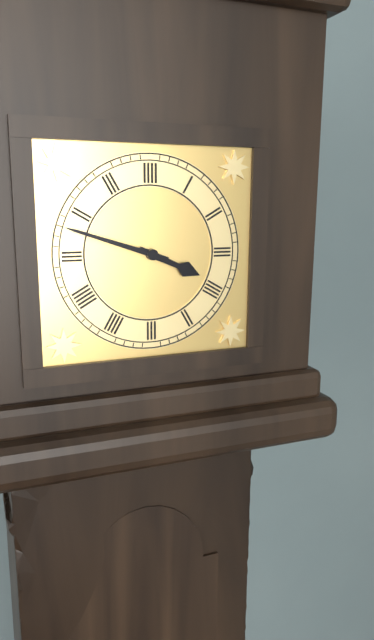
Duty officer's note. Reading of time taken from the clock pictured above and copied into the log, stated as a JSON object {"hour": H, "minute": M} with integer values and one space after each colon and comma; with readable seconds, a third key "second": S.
{"hour": 3, "minute": 48}
